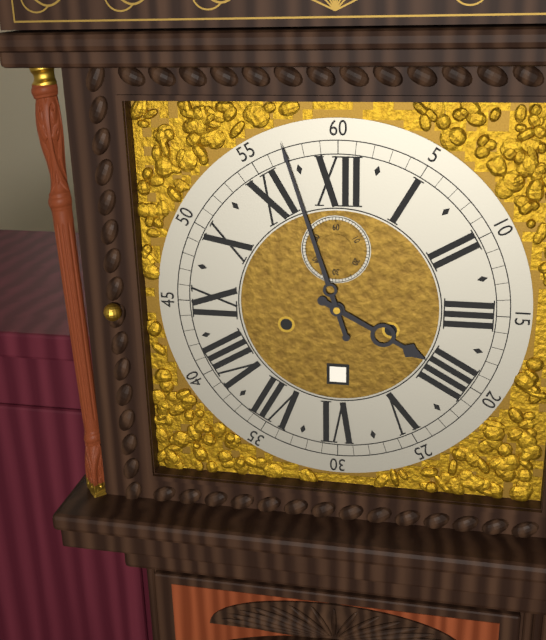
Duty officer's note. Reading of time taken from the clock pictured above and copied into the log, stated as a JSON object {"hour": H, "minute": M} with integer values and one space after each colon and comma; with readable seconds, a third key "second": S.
{"hour": 3, "minute": 57}
